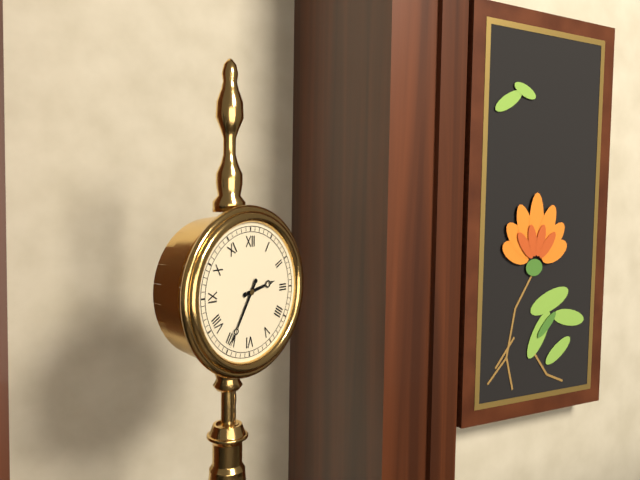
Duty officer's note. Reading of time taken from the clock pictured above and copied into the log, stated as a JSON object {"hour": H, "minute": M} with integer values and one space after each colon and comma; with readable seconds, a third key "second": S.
{"hour": 2, "minute": 35}
